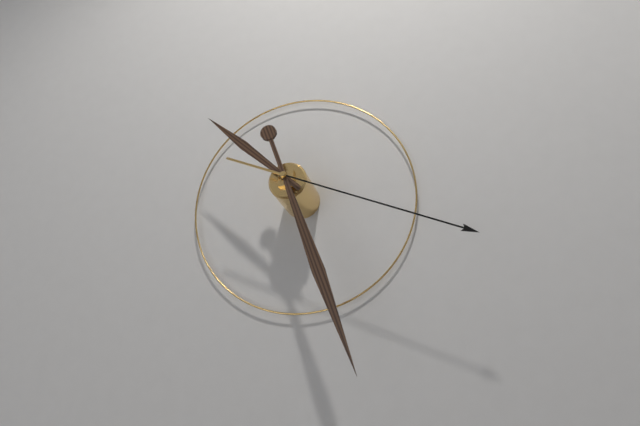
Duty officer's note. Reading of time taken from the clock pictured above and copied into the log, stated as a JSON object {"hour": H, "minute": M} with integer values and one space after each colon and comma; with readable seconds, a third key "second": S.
{"hour": 10, "minute": 27, "second": 19}
